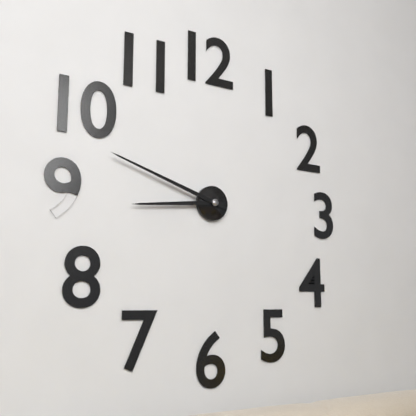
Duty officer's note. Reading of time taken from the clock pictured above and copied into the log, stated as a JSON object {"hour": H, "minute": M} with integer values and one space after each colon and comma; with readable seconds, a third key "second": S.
{"hour": 8, "minute": 48}
